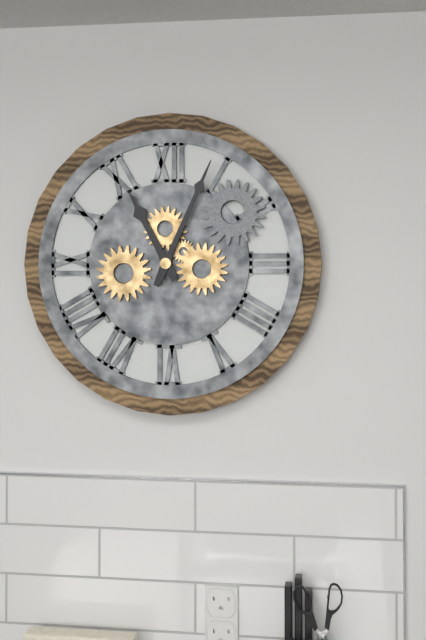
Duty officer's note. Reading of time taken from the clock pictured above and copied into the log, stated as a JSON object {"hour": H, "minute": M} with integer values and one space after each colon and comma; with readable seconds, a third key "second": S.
{"hour": 11, "minute": 4}
